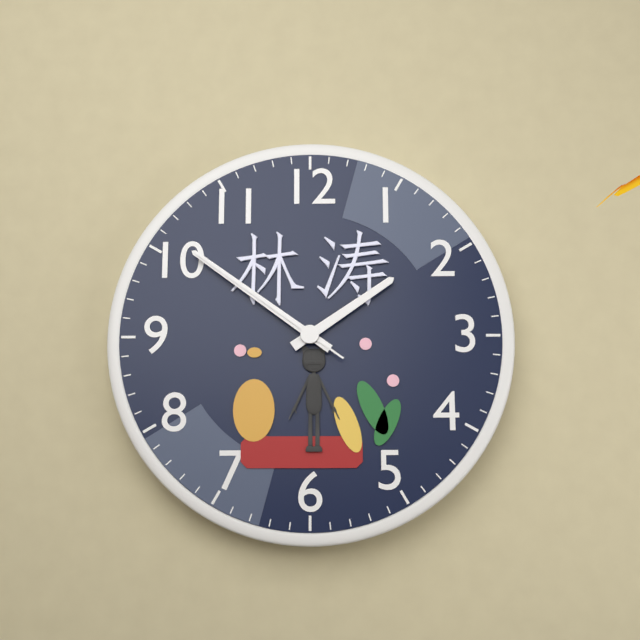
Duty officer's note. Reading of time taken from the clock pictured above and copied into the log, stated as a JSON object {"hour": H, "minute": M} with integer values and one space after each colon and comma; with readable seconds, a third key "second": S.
{"hour": 1, "minute": 51, "second": 51}
